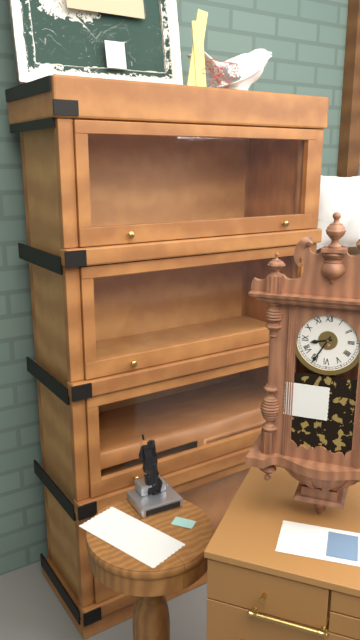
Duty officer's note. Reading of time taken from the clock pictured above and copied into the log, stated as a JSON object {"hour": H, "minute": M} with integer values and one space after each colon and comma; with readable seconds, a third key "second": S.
{"hour": 8, "minute": 35}
